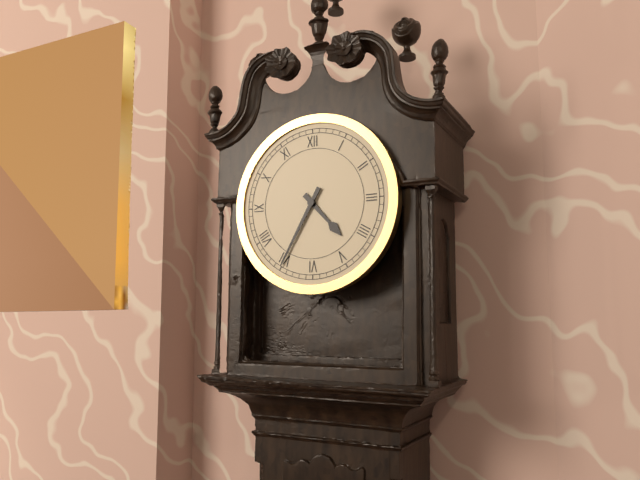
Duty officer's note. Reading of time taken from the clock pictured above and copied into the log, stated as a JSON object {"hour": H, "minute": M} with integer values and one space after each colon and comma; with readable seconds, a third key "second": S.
{"hour": 4, "minute": 35}
